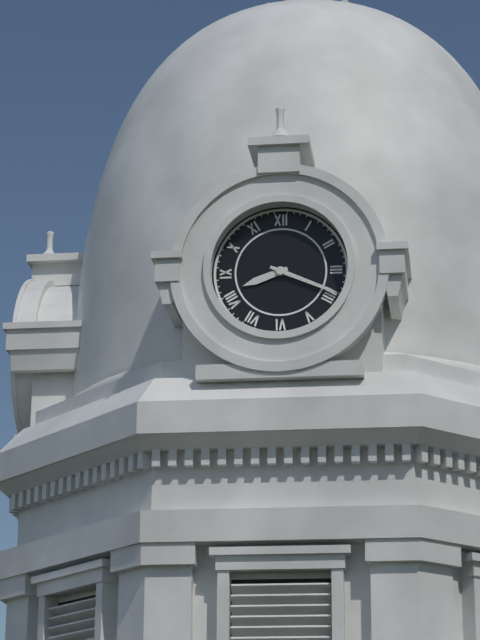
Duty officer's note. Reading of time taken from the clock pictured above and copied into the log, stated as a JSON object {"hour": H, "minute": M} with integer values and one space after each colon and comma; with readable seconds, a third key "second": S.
{"hour": 8, "minute": 19}
